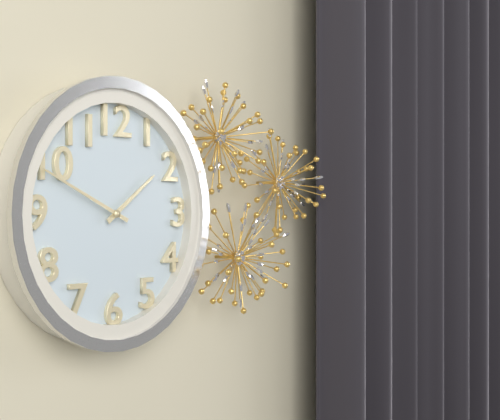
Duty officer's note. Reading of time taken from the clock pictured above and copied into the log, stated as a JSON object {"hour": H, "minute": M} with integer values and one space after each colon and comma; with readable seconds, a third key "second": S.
{"hour": 1, "minute": 49}
